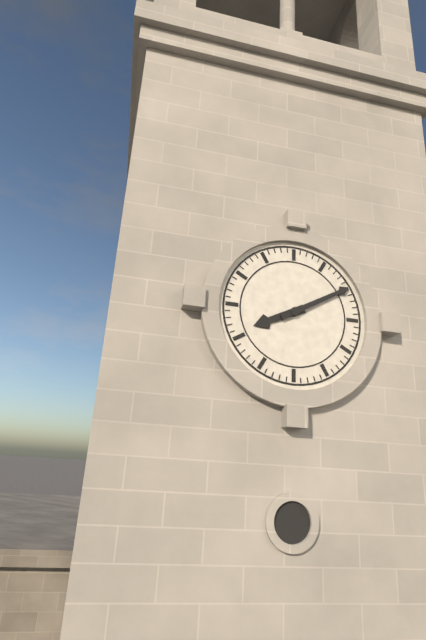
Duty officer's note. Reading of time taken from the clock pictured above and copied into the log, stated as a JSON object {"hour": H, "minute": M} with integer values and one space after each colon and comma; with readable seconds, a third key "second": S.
{"hour": 8, "minute": 10}
